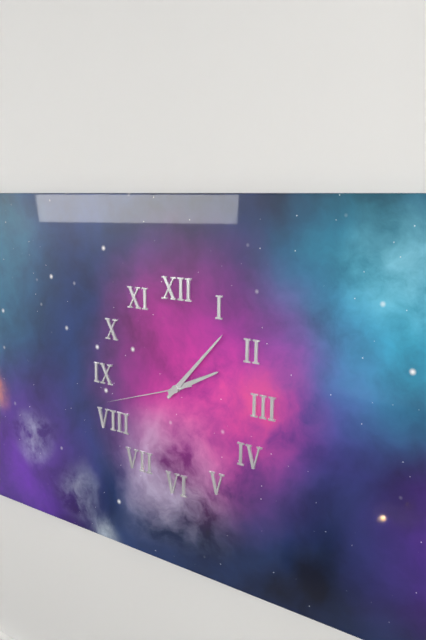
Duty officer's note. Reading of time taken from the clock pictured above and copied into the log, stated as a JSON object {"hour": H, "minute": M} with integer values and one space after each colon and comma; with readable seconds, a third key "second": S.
{"hour": 2, "minute": 7, "second": 42}
